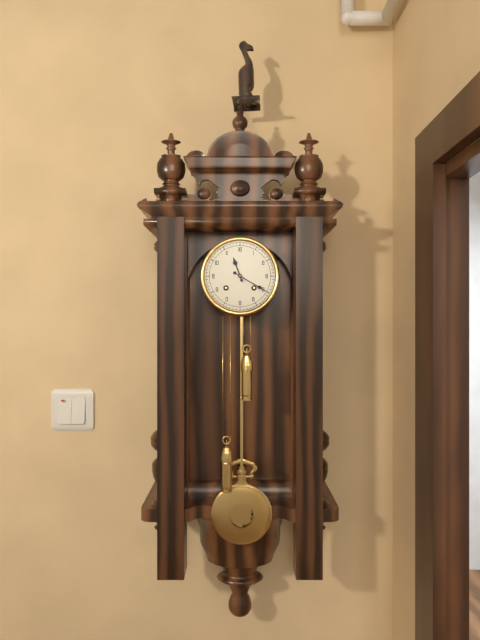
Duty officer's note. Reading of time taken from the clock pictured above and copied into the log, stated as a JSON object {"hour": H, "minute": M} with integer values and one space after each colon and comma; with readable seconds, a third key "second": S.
{"hour": 11, "minute": 20}
